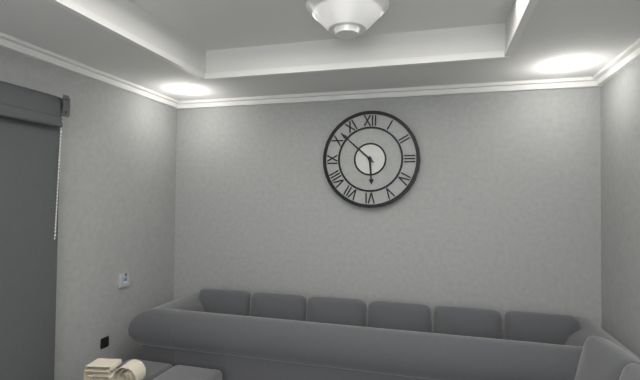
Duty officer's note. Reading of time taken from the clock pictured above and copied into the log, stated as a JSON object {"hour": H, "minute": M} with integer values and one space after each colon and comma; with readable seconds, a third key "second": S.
{"hour": 5, "minute": 52}
